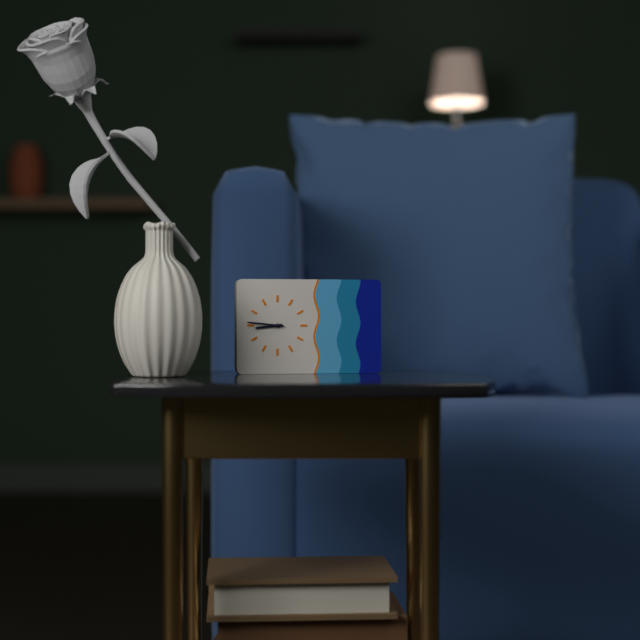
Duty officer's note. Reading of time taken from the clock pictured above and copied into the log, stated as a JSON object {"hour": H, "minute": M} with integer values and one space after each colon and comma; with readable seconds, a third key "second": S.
{"hour": 8, "minute": 46}
